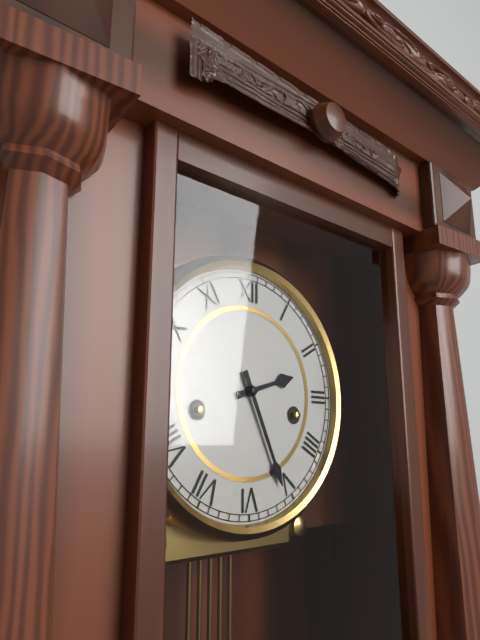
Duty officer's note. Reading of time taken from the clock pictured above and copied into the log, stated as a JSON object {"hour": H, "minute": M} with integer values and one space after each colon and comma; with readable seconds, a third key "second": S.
{"hour": 2, "minute": 26}
